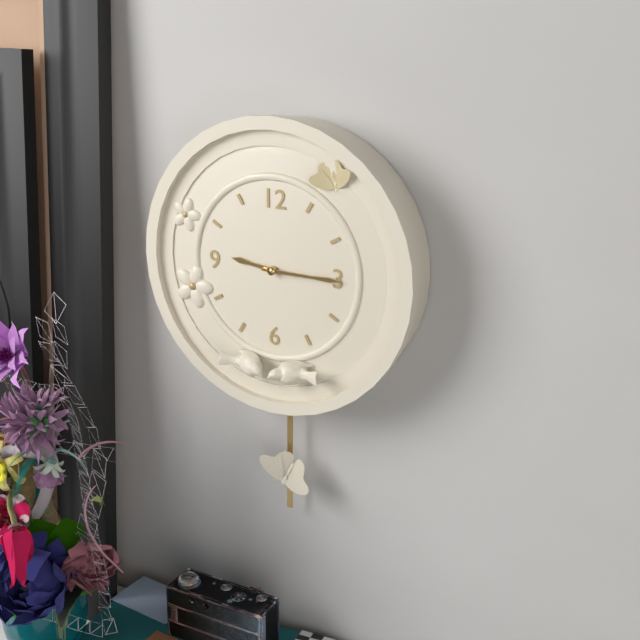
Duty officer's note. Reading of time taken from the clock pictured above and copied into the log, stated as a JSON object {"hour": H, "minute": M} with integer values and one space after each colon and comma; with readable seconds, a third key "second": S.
{"hour": 9, "minute": 15}
